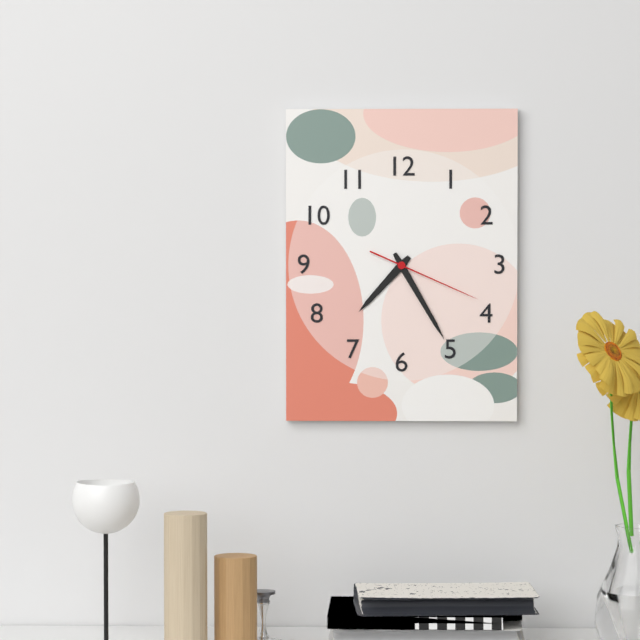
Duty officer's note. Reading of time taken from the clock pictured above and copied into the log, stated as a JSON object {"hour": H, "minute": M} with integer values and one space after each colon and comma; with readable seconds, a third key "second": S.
{"hour": 7, "minute": 25, "second": 19}
